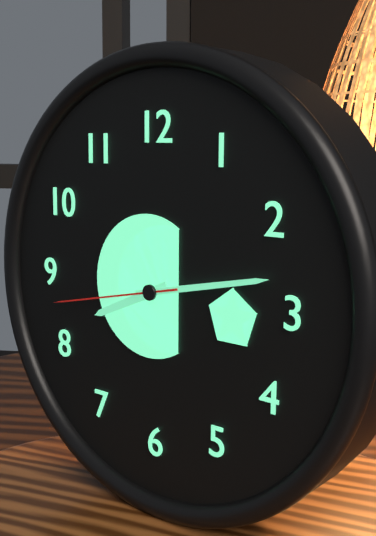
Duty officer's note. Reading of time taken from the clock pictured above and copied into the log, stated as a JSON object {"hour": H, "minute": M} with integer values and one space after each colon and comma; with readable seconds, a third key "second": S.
{"hour": 8, "minute": 13, "second": 43}
